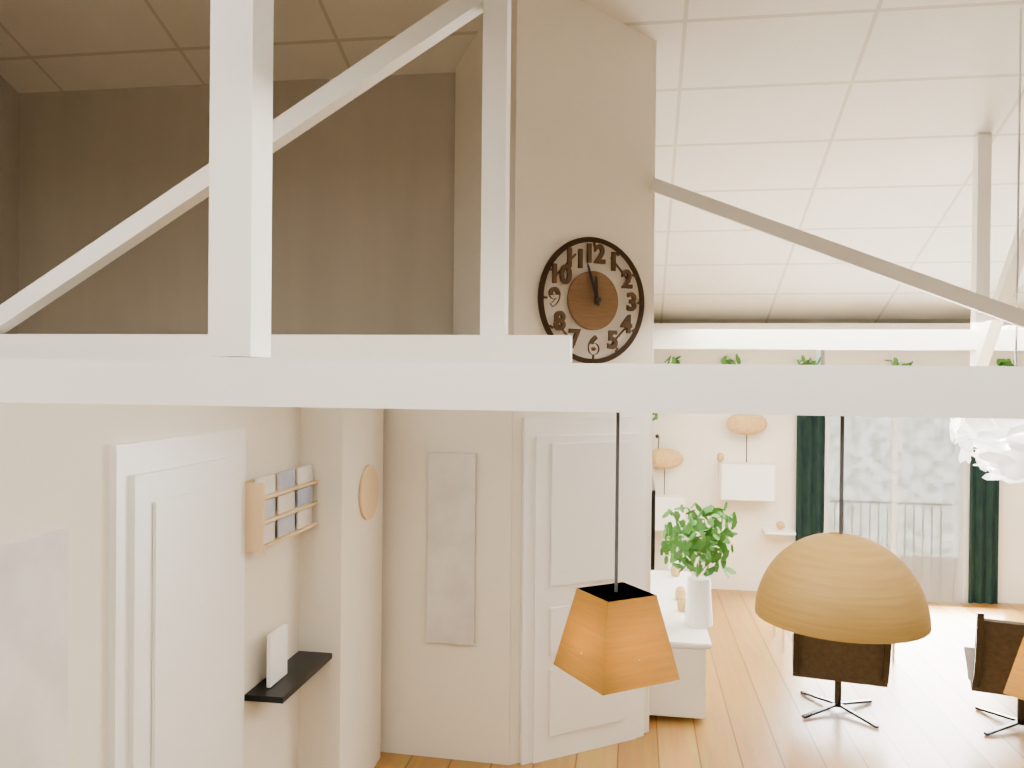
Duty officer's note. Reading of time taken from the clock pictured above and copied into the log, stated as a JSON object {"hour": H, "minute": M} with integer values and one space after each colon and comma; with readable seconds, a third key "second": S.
{"hour": 11, "minute": 57}
